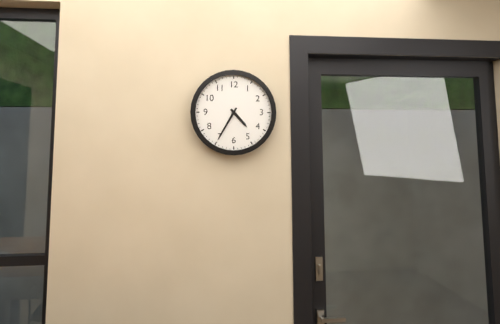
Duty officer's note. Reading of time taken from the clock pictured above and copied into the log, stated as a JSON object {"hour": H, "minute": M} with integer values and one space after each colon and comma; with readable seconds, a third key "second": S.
{"hour": 4, "minute": 35}
